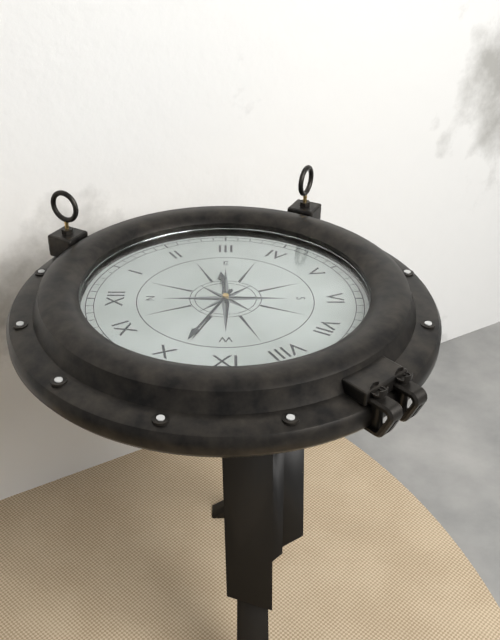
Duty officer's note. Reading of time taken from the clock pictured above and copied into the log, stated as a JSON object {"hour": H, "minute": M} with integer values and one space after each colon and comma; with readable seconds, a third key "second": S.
{"hour": 2, "minute": 49}
